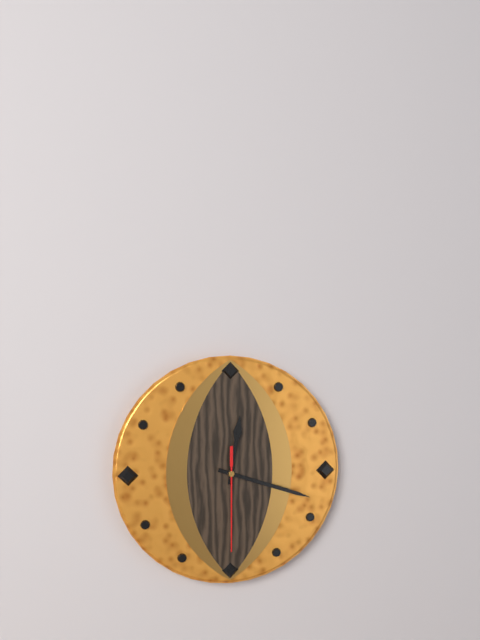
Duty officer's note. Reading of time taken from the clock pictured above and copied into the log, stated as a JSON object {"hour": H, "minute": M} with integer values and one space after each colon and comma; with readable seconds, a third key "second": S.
{"hour": 12, "minute": 18, "second": 30}
